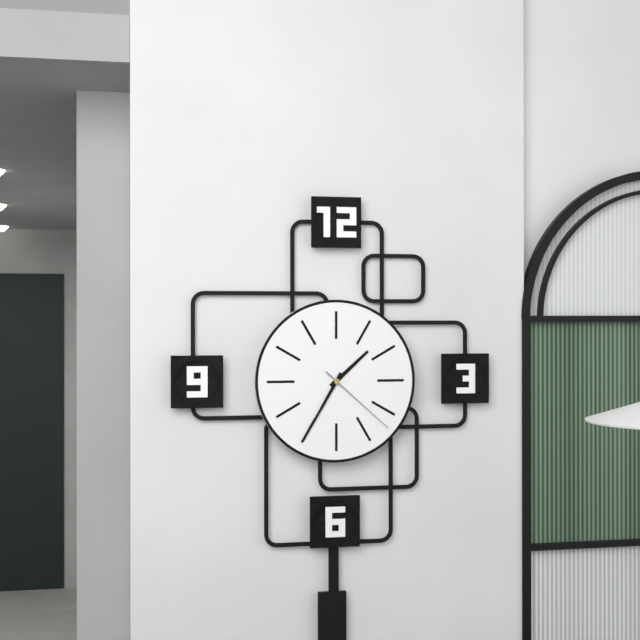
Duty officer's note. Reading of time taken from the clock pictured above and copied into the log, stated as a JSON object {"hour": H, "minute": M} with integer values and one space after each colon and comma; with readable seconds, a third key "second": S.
{"hour": 1, "minute": 35, "second": 22}
